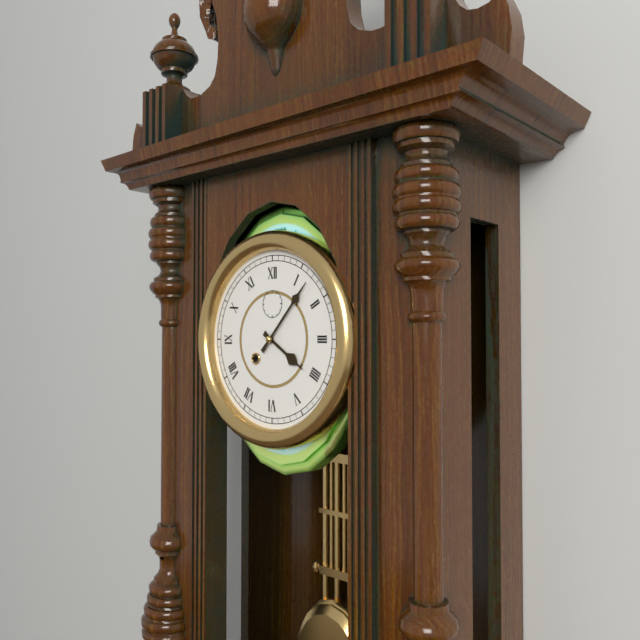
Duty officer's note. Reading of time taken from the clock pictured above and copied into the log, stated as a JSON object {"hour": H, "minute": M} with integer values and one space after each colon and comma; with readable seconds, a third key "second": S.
{"hour": 4, "minute": 7}
